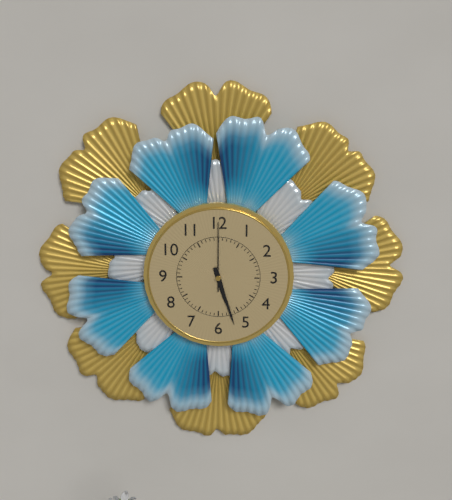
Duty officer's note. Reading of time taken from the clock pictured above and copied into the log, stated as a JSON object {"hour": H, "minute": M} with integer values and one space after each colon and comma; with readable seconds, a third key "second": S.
{"hour": 5, "minute": 27, "second": 0}
